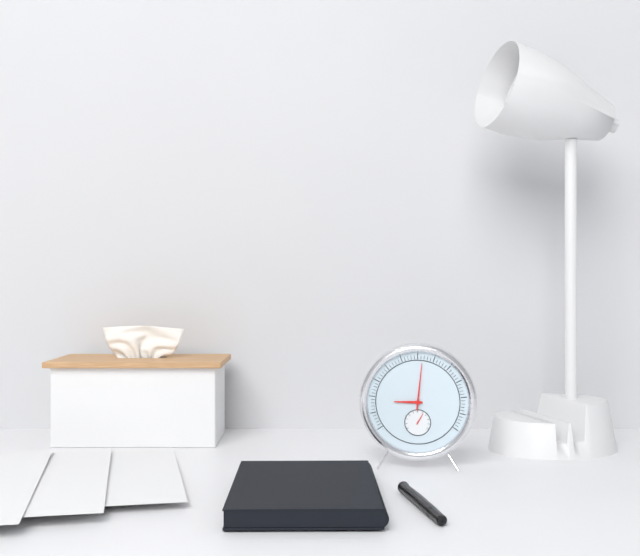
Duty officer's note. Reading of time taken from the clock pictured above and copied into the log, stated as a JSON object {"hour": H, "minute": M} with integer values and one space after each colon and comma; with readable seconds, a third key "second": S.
{"hour": 9, "minute": 1}
